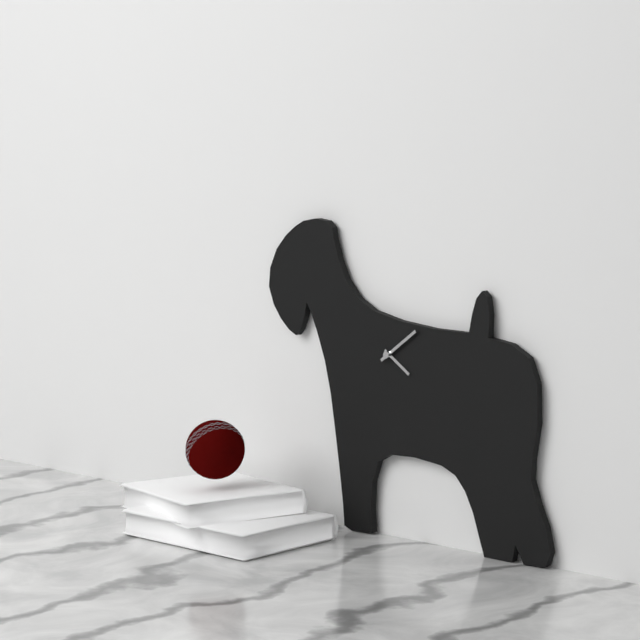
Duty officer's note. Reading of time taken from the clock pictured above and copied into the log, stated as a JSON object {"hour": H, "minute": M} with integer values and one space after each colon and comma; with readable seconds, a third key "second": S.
{"hour": 4, "minute": 9}
